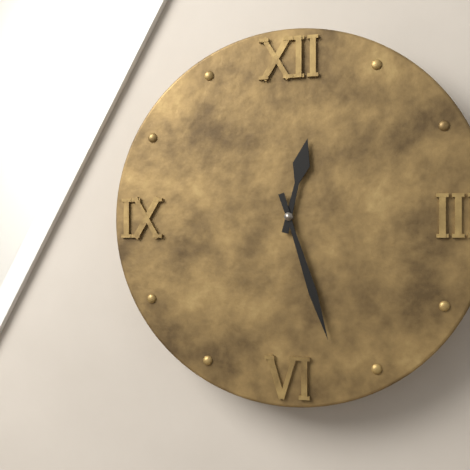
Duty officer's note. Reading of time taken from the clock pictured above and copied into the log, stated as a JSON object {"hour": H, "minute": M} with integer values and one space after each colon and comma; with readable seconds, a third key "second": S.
{"hour": 12, "minute": 27}
